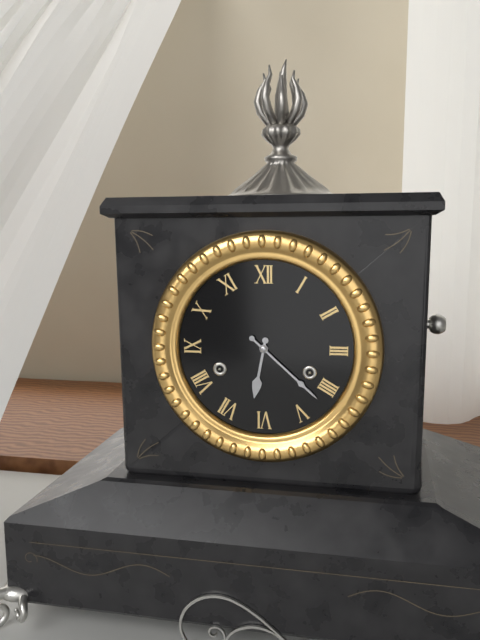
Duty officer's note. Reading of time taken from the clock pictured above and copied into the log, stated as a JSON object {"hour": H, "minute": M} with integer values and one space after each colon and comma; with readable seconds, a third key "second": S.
{"hour": 6, "minute": 22}
